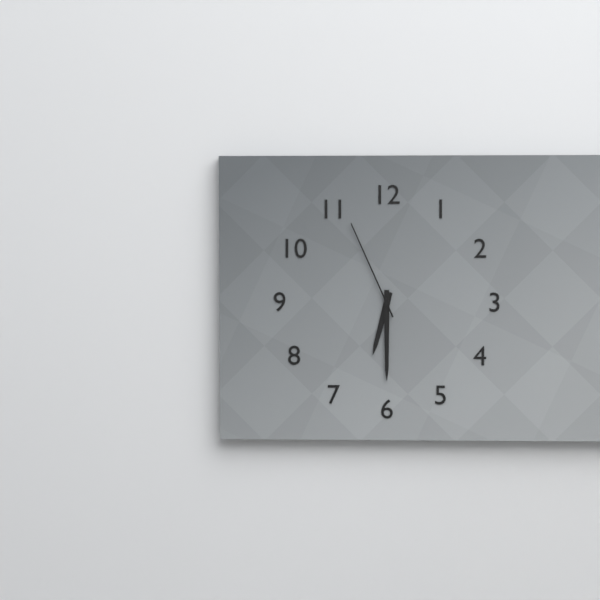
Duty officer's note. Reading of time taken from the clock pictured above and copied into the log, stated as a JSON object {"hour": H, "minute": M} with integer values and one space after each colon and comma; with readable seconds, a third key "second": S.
{"hour": 6, "minute": 30, "second": 56}
